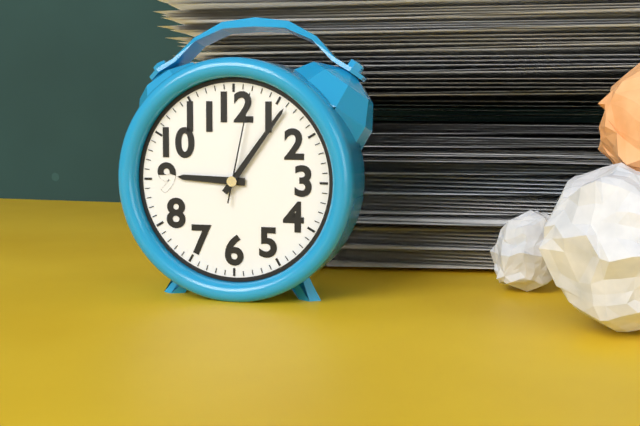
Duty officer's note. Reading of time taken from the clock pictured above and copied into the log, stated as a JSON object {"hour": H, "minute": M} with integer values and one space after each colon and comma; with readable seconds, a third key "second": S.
{"hour": 9, "minute": 6, "second": 2}
